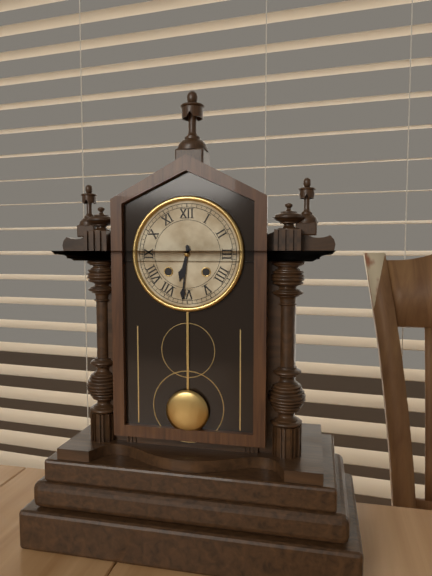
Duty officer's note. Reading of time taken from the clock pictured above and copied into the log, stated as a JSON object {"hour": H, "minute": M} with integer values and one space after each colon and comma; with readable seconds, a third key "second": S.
{"hour": 6, "minute": 31}
